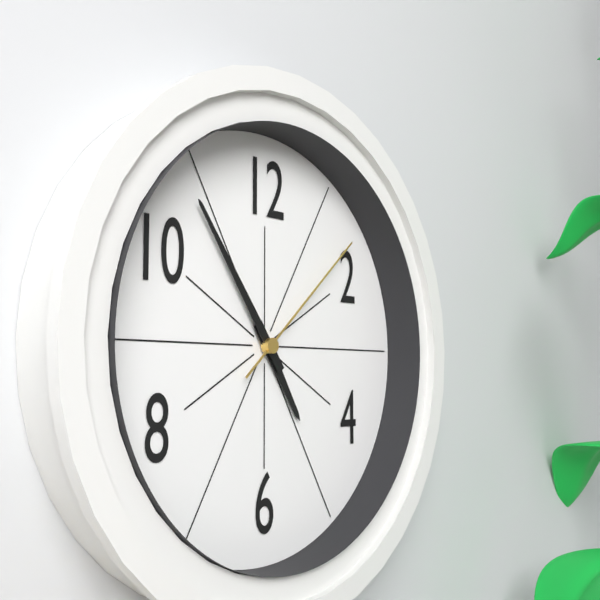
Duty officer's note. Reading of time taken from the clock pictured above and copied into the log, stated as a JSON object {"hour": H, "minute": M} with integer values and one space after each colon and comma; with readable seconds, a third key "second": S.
{"hour": 4, "minute": 54, "second": 8}
